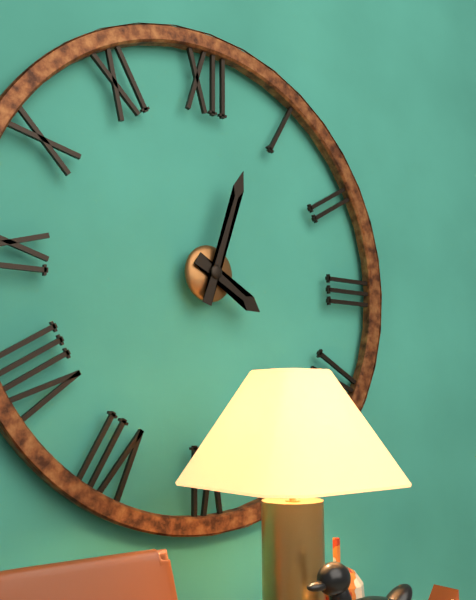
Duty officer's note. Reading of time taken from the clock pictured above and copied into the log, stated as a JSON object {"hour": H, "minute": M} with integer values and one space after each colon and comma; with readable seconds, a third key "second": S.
{"hour": 4, "minute": 3}
